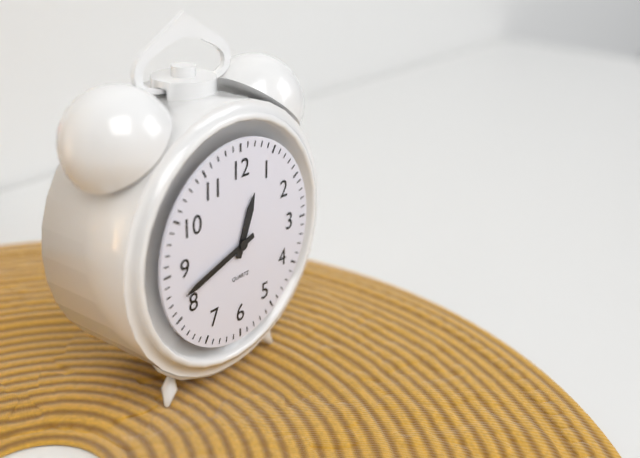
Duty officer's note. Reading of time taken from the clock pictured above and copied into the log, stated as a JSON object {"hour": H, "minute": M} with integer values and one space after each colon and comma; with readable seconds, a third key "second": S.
{"hour": 12, "minute": 42}
